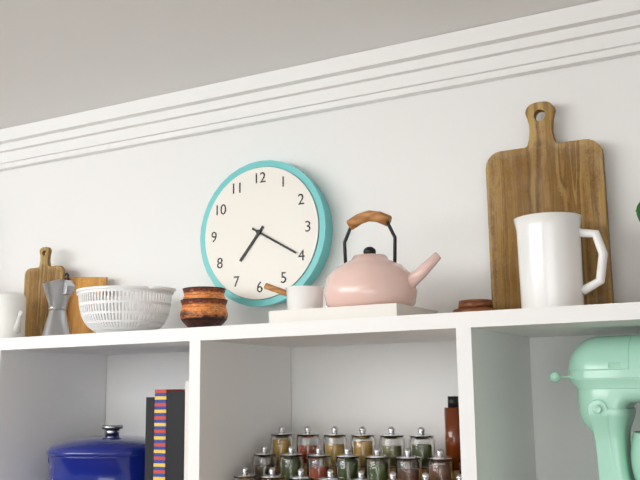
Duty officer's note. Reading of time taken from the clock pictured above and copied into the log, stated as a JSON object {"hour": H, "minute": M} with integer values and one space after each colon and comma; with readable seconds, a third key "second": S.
{"hour": 7, "minute": 20}
